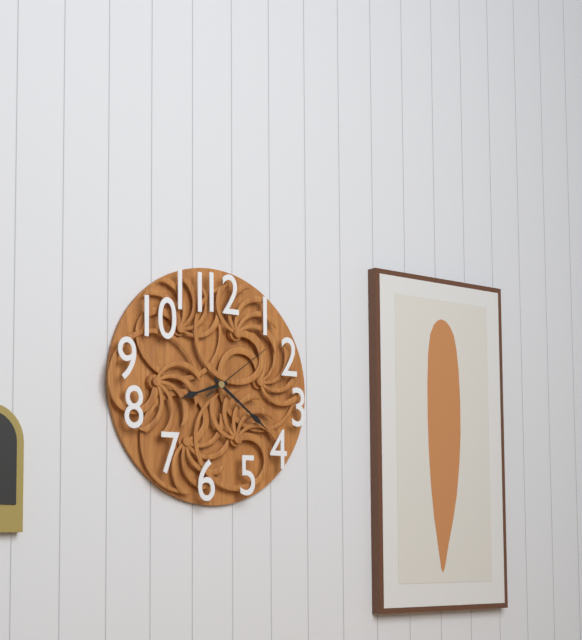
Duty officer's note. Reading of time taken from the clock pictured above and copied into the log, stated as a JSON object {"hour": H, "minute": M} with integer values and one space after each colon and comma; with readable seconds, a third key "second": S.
{"hour": 8, "minute": 21, "second": 9}
